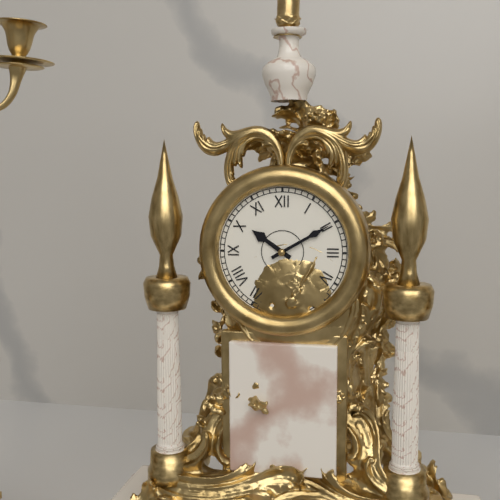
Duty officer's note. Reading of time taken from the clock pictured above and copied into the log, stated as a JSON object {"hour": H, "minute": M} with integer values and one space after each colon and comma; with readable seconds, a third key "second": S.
{"hour": 10, "minute": 10}
